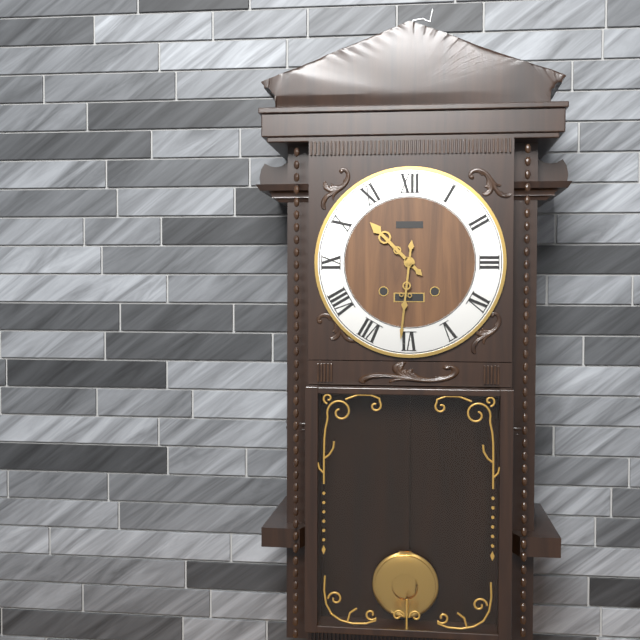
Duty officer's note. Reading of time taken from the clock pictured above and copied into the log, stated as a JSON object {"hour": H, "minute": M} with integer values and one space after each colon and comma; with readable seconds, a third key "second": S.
{"hour": 10, "minute": 31}
